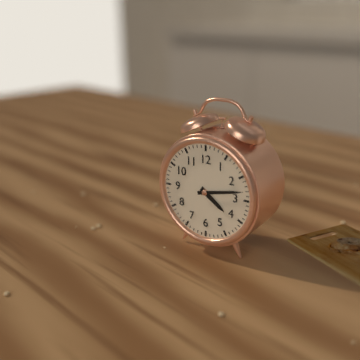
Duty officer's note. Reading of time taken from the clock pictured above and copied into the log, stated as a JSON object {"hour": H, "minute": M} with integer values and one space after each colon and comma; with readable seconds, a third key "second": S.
{"hour": 4, "minute": 13}
